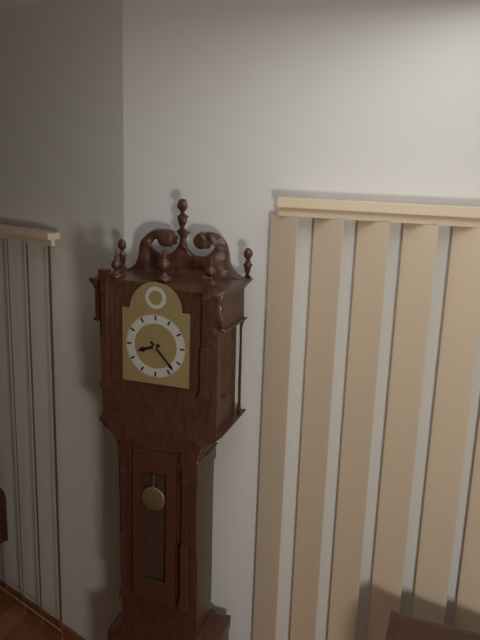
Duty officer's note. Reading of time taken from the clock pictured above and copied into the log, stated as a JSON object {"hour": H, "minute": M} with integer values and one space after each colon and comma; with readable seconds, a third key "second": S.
{"hour": 8, "minute": 23}
